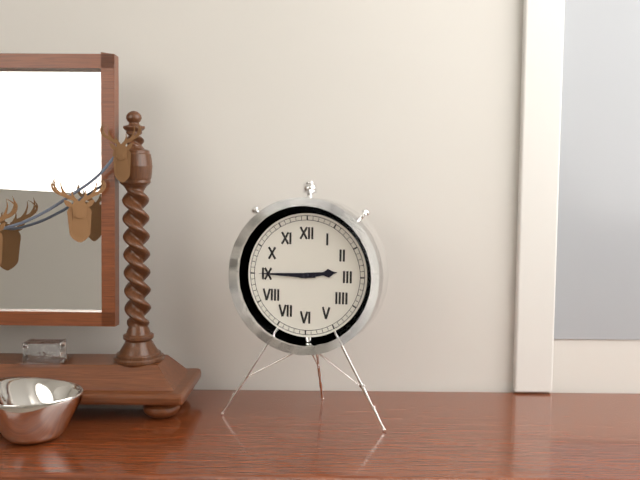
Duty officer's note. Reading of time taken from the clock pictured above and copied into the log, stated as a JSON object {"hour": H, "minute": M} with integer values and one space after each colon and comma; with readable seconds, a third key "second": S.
{"hour": 2, "minute": 45}
